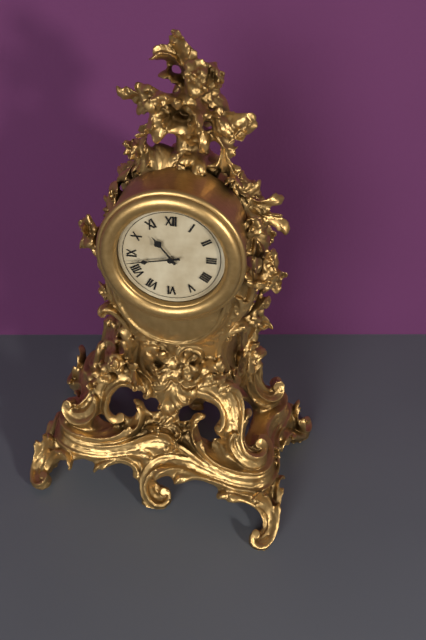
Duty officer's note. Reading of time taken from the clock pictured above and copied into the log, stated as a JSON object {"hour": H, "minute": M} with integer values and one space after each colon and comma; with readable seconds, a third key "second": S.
{"hour": 10, "minute": 43}
